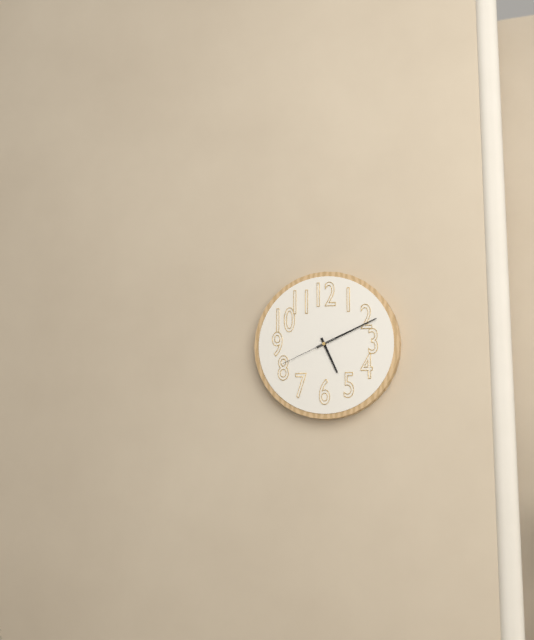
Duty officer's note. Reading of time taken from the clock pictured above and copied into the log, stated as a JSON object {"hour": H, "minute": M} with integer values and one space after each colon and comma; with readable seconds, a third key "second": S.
{"hour": 5, "minute": 11, "second": 41}
